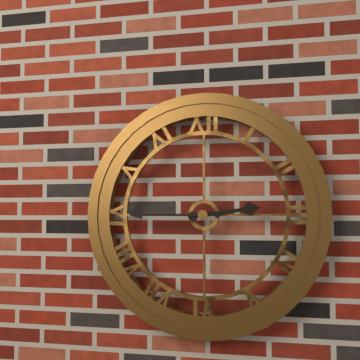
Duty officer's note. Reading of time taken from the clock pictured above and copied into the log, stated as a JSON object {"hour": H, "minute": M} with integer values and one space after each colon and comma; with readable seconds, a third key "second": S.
{"hour": 2, "minute": 45}
